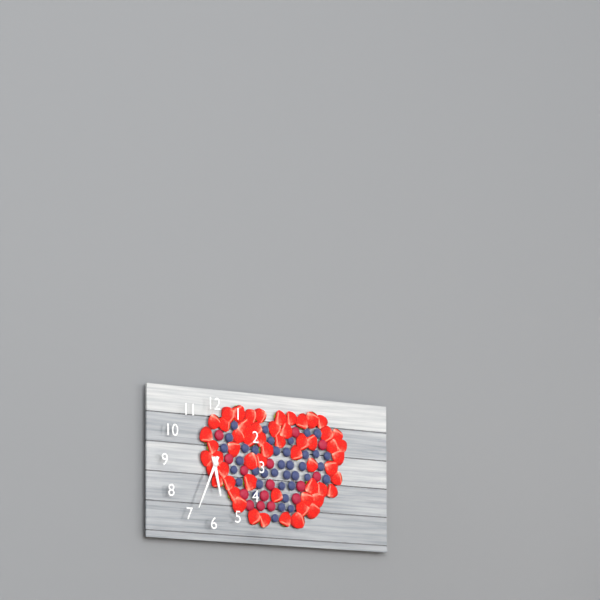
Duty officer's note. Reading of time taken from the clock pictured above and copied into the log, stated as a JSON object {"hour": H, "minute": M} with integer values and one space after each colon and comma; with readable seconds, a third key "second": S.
{"hour": 5, "minute": 34}
